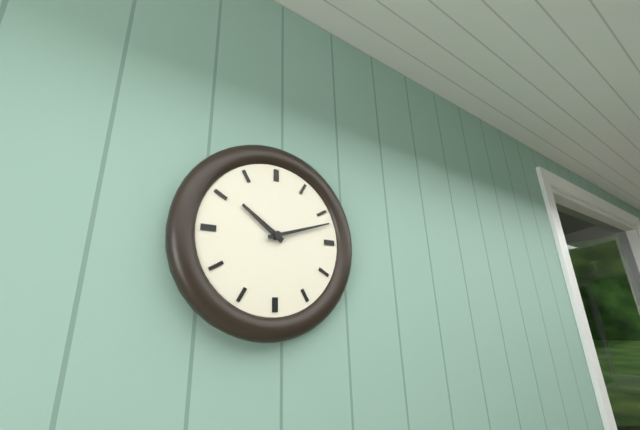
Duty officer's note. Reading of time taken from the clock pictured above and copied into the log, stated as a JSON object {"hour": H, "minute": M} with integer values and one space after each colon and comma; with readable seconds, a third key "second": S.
{"hour": 10, "minute": 12}
